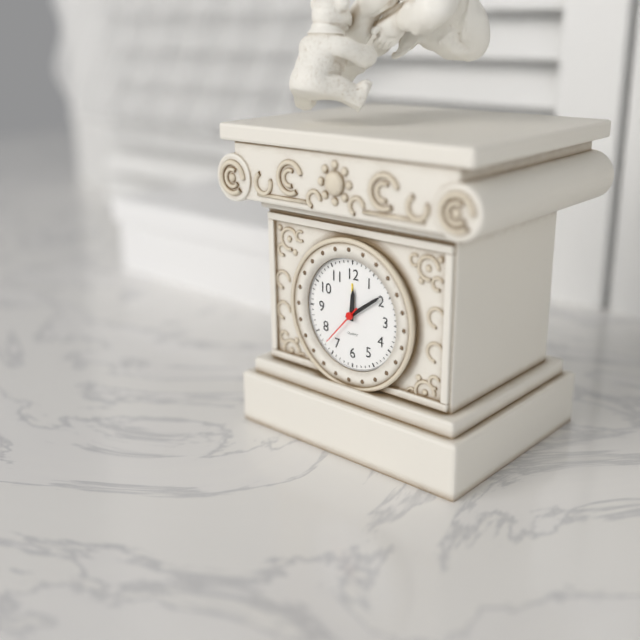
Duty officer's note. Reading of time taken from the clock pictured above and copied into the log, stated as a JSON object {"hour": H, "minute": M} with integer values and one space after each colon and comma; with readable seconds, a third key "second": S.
{"hour": 12, "minute": 9}
